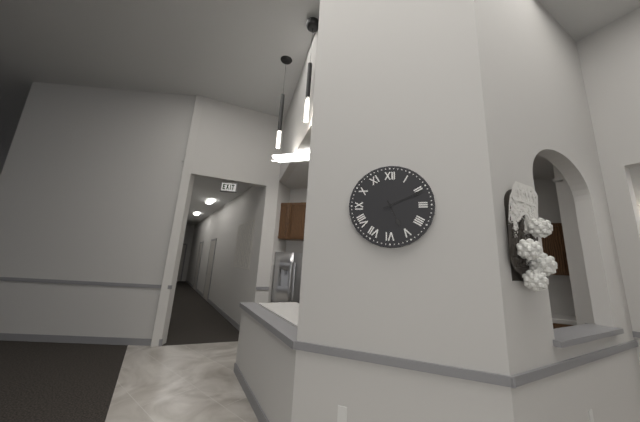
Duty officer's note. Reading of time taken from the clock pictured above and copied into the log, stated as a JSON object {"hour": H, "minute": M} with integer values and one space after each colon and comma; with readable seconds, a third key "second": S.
{"hour": 5, "minute": 11}
